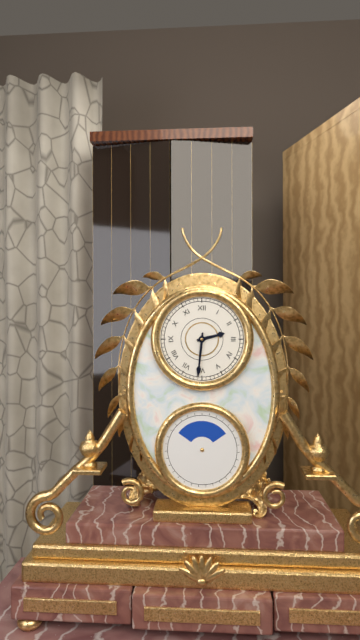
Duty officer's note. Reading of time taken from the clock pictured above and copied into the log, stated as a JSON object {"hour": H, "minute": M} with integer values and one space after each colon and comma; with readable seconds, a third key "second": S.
{"hour": 2, "minute": 31}
